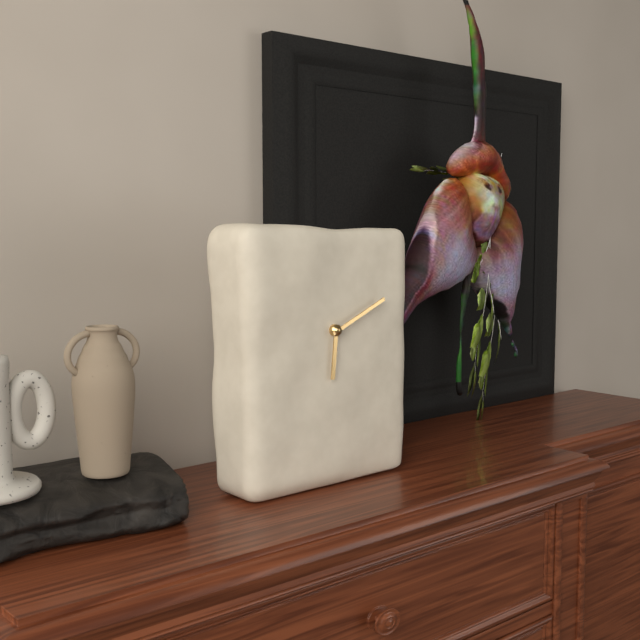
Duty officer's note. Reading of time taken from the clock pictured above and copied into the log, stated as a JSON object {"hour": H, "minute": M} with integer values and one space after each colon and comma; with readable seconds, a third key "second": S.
{"hour": 6, "minute": 11}
